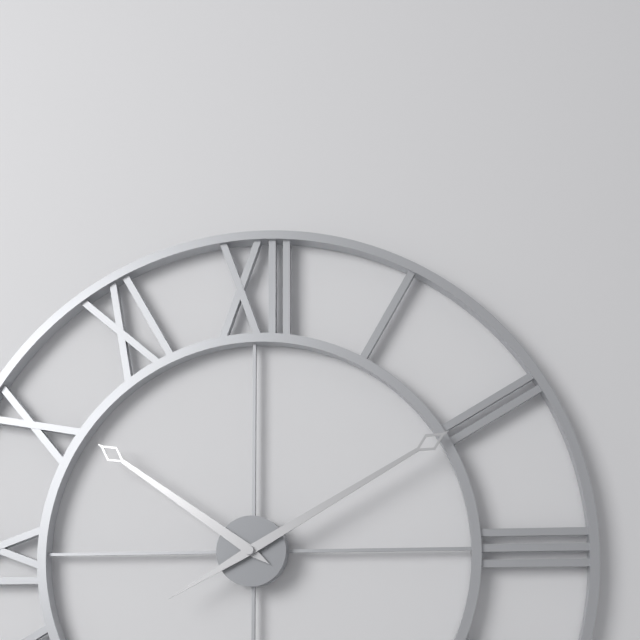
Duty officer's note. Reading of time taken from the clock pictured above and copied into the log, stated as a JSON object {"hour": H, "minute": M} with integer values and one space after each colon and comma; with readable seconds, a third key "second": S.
{"hour": 10, "minute": 10}
